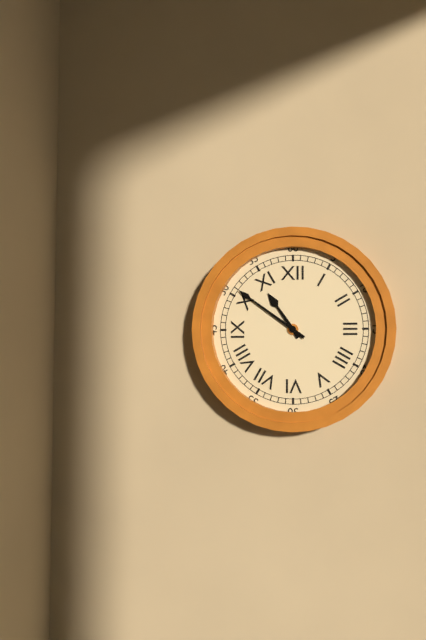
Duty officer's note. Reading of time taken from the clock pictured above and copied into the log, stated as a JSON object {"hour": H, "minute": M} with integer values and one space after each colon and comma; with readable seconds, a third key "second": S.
{"hour": 10, "minute": 51}
